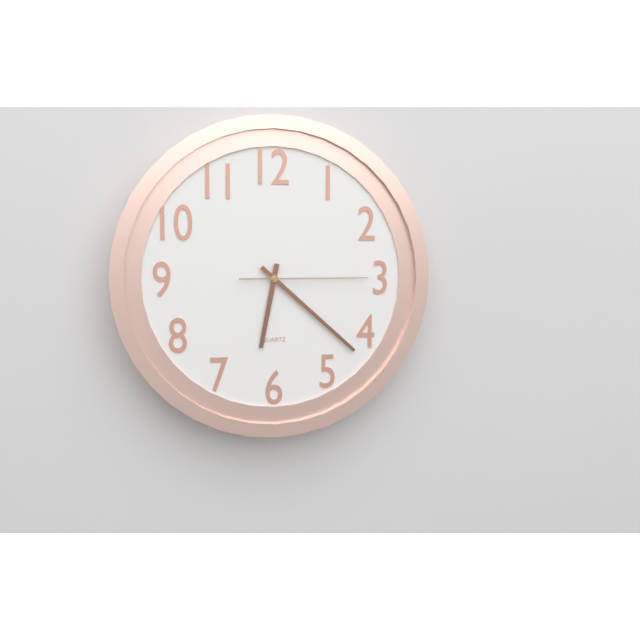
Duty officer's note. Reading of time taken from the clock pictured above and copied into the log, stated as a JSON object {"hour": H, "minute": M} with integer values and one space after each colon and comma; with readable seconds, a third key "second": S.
{"hour": 6, "minute": 22, "second": 15}
